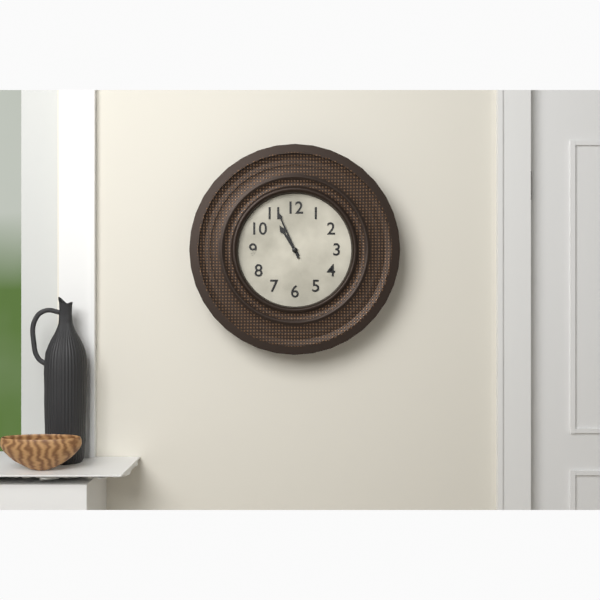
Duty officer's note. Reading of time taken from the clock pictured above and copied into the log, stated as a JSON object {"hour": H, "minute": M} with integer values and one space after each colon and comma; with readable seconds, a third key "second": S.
{"hour": 10, "minute": 56}
